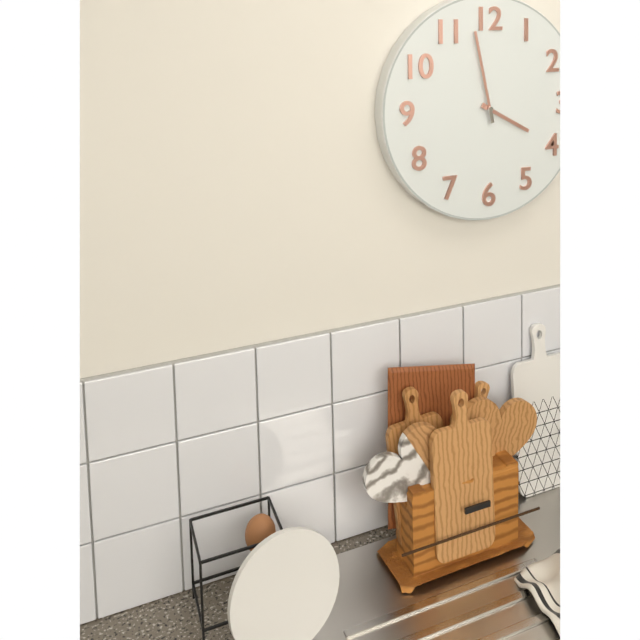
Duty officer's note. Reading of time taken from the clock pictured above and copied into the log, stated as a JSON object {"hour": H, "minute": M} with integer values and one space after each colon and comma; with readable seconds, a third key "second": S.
{"hour": 3, "minute": 58}
